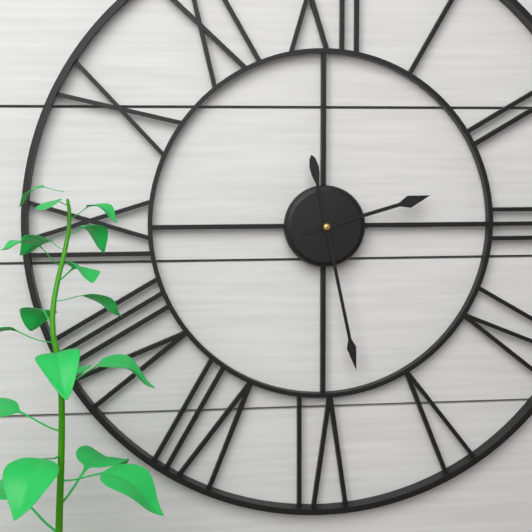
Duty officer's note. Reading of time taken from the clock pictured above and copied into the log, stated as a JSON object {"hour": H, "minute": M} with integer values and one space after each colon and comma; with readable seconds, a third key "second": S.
{"hour": 2, "minute": 28}
